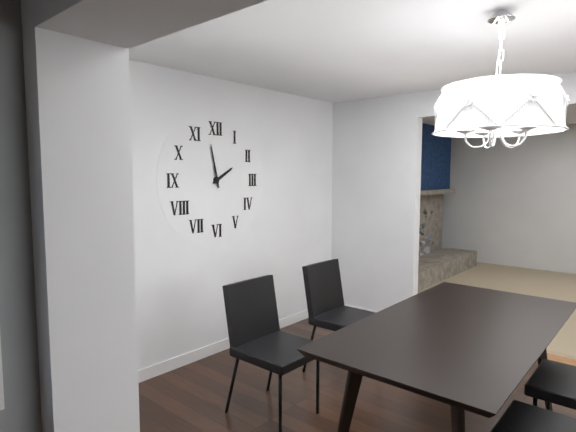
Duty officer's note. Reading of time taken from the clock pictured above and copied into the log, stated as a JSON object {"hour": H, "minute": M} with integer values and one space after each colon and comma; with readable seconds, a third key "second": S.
{"hour": 1, "minute": 58}
